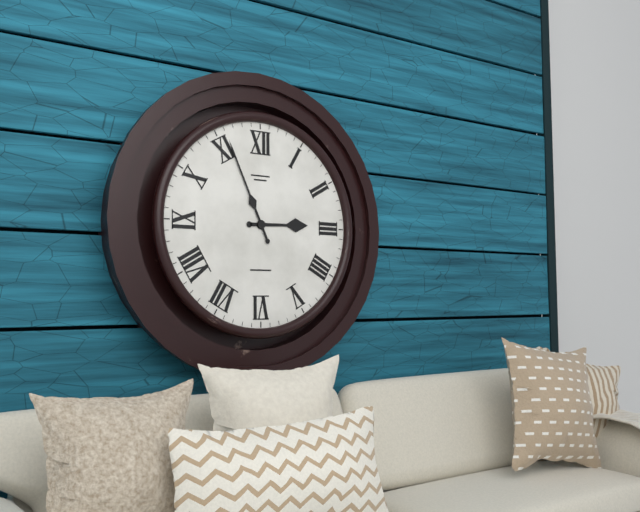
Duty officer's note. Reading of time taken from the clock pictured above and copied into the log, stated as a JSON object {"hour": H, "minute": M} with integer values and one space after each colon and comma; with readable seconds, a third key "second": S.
{"hour": 2, "minute": 56}
